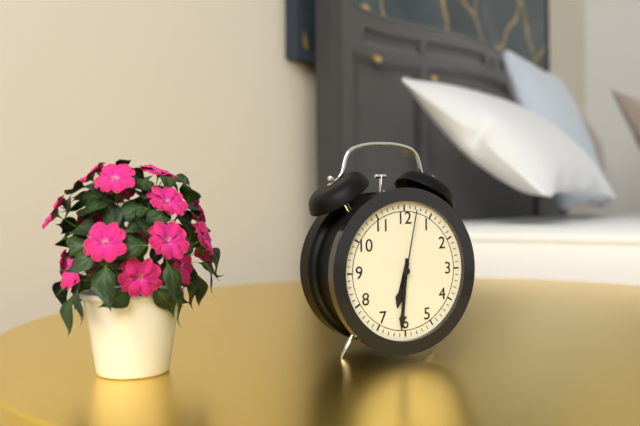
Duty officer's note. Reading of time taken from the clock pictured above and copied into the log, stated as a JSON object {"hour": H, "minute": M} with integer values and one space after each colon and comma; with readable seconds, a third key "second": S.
{"hour": 6, "minute": 31, "second": 2}
